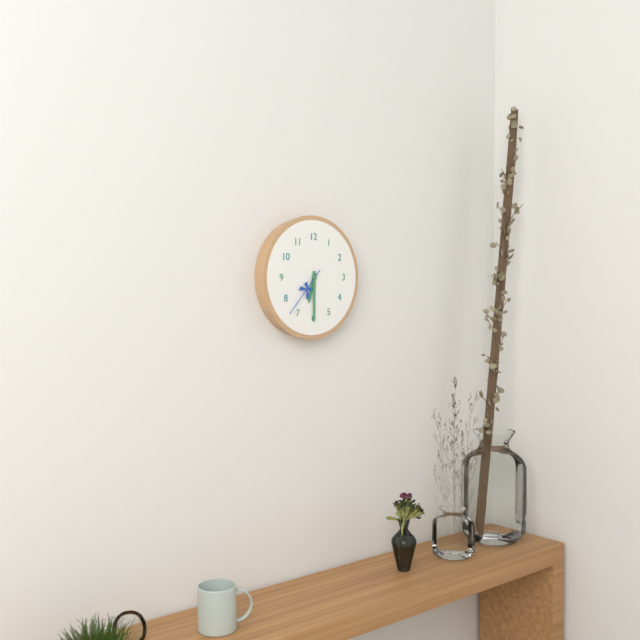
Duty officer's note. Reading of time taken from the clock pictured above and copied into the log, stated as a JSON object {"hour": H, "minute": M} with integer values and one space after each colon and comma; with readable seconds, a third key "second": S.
{"hour": 6, "minute": 30, "second": 37}
